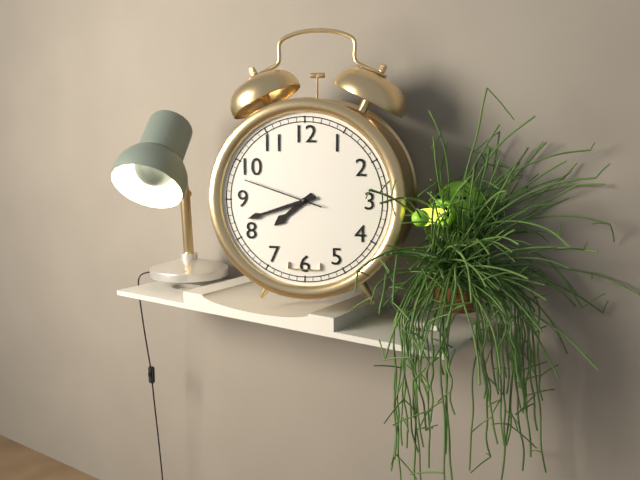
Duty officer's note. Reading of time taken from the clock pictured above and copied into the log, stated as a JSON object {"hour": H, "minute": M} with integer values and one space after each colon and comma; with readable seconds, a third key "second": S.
{"hour": 7, "minute": 42, "second": 48}
